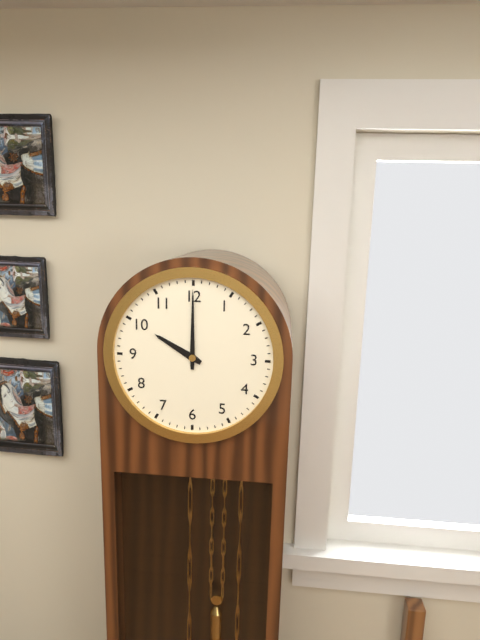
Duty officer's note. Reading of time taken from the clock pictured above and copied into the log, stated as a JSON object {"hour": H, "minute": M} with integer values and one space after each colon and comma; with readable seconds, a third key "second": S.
{"hour": 10, "minute": 0}
